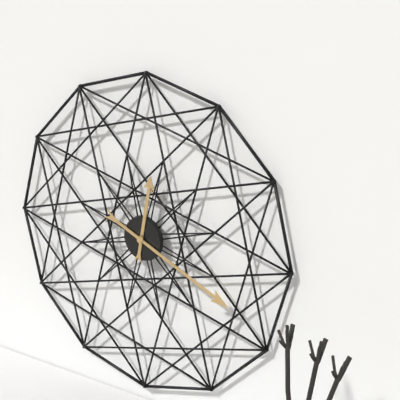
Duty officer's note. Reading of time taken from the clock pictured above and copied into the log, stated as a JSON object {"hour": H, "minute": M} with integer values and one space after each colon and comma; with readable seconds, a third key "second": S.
{"hour": 12, "minute": 19}
